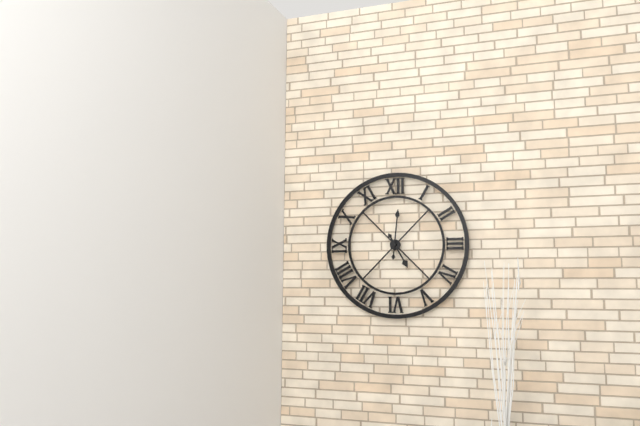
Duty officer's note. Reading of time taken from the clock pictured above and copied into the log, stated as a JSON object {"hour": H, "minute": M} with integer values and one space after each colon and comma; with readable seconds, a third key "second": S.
{"hour": 5, "minute": 1}
